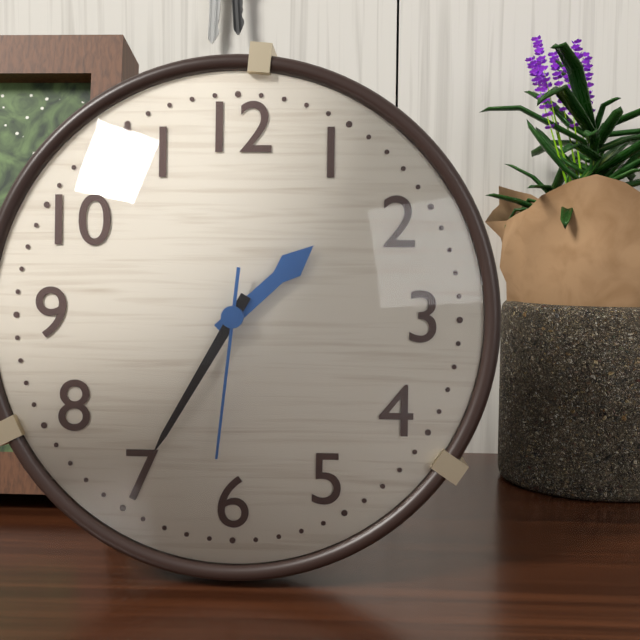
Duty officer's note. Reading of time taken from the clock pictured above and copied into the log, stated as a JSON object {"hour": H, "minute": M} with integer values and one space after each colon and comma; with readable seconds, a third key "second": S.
{"hour": 1, "minute": 35, "second": 31}
